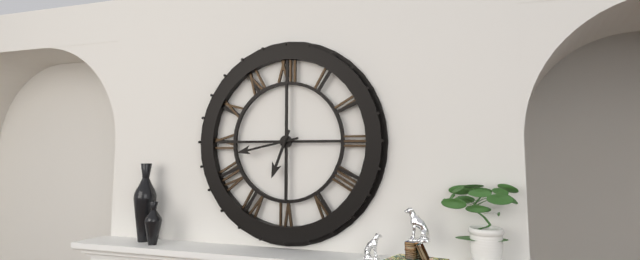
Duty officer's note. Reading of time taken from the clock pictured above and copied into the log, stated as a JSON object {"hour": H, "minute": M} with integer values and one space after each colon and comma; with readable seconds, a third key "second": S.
{"hour": 6, "minute": 43}
